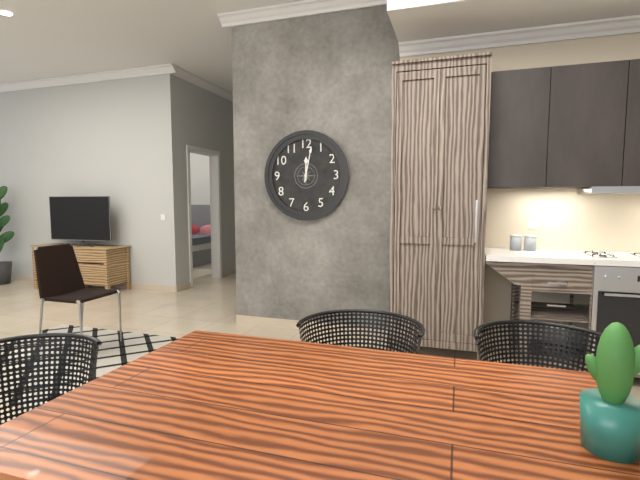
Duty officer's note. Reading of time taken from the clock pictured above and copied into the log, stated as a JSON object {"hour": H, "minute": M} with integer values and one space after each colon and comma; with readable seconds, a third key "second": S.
{"hour": 12, "minute": 2}
